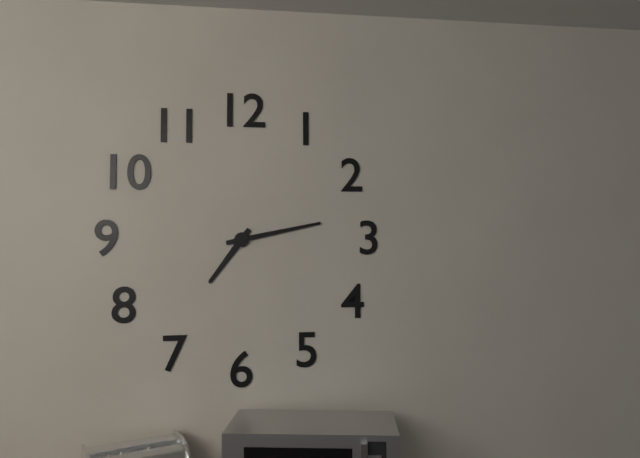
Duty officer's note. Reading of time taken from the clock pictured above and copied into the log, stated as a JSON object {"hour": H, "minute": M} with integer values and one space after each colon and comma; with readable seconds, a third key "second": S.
{"hour": 7, "minute": 13}
